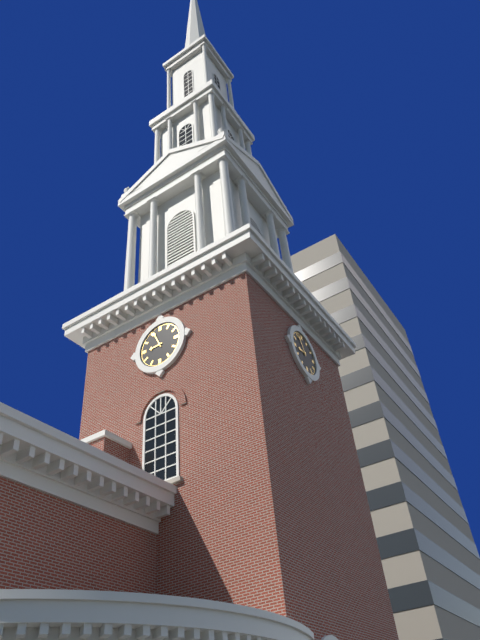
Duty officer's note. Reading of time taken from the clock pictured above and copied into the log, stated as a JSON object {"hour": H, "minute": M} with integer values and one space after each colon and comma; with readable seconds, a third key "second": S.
{"hour": 8, "minute": 56}
